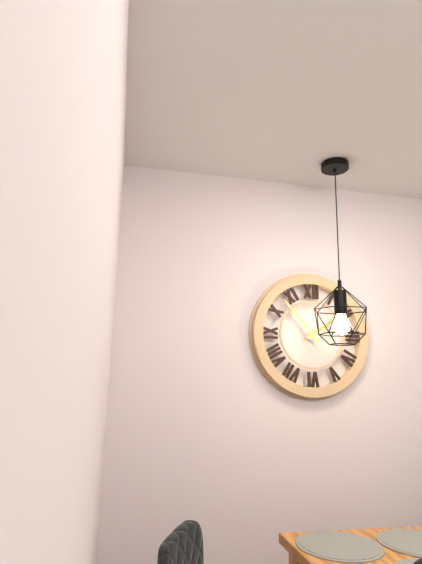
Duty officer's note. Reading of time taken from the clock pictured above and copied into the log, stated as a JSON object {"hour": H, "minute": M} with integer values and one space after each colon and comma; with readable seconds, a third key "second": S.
{"hour": 1, "minute": 53}
